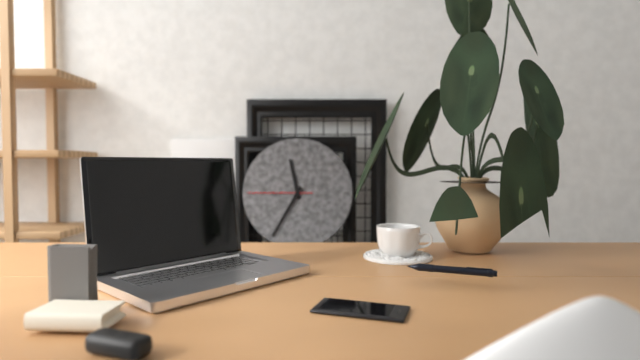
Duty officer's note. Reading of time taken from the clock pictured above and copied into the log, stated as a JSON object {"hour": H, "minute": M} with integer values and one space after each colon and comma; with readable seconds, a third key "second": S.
{"hour": 11, "minute": 35, "second": 45}
